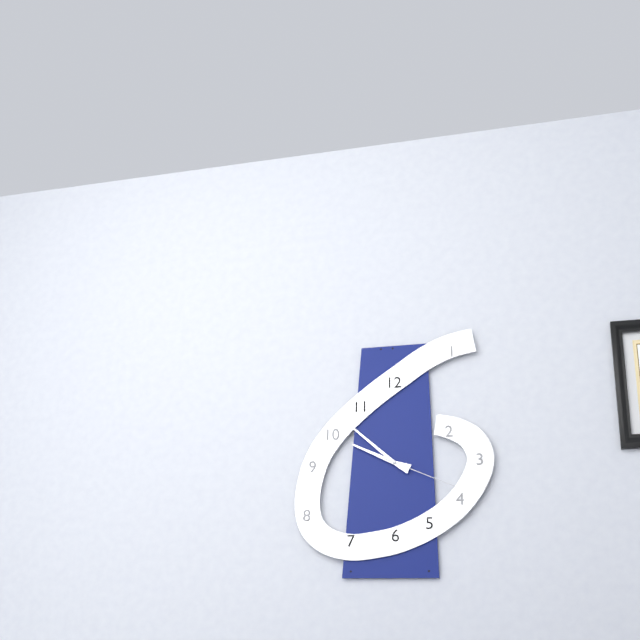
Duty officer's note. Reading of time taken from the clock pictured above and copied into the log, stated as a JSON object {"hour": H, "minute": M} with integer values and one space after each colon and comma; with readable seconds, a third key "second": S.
{"hour": 9, "minute": 52, "second": 19}
